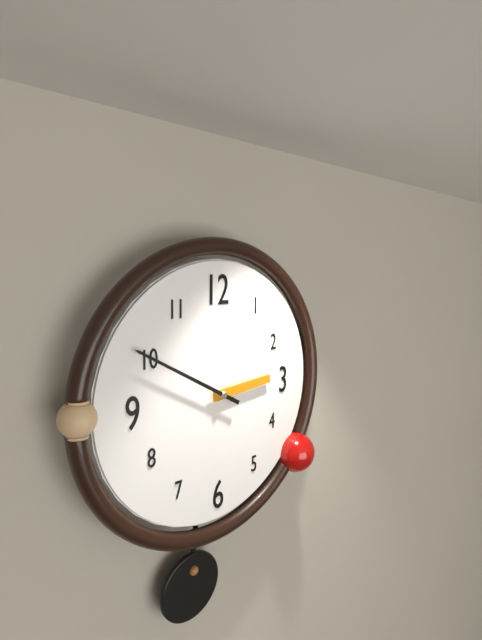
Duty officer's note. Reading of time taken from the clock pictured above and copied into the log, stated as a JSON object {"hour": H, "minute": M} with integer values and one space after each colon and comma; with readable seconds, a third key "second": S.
{"hour": 2, "minute": 50}
